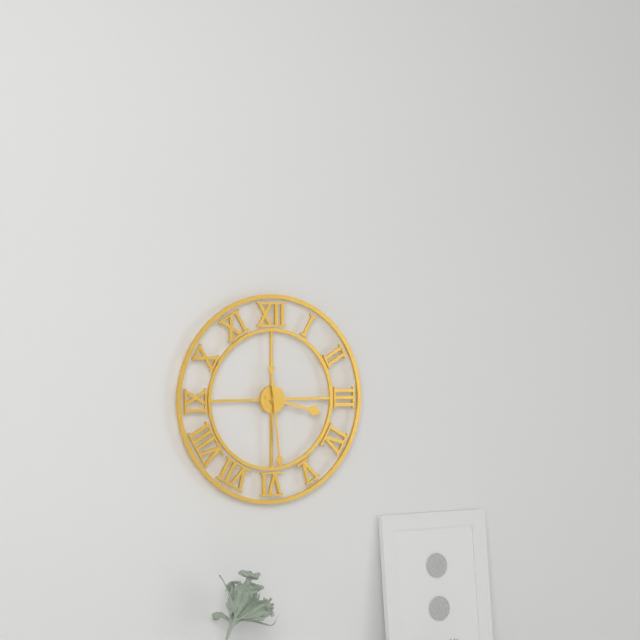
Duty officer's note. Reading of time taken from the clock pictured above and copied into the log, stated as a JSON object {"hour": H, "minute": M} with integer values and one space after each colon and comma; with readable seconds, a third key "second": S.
{"hour": 3, "minute": 29}
